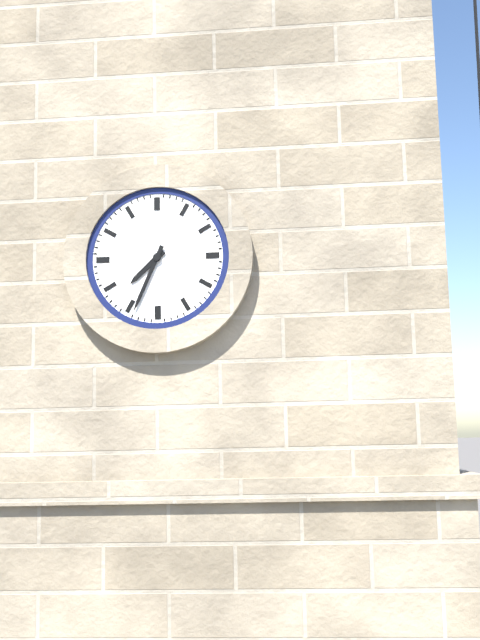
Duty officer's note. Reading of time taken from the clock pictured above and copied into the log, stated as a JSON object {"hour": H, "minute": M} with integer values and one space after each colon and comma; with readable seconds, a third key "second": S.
{"hour": 7, "minute": 34}
